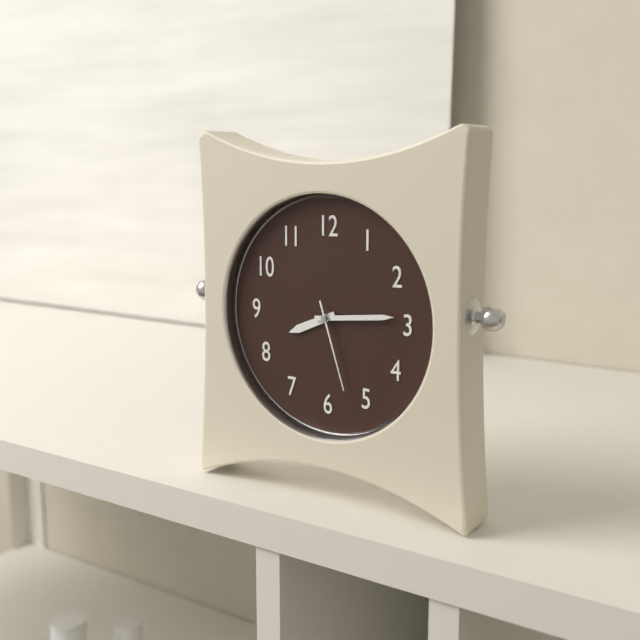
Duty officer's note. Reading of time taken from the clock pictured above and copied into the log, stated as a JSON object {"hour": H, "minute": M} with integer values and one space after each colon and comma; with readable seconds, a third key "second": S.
{"hour": 8, "minute": 14, "second": 27}
